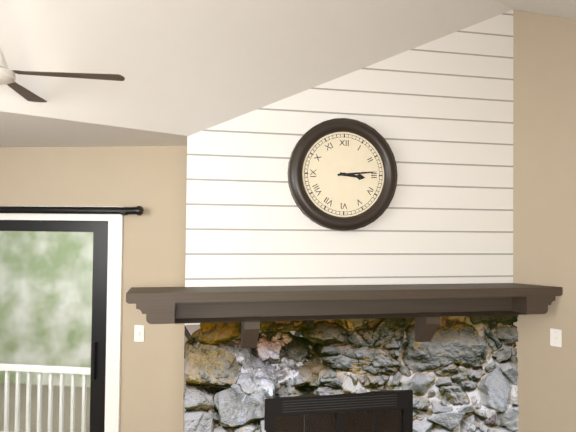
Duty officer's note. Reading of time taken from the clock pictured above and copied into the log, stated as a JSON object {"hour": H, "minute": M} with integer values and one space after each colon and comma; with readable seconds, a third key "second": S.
{"hour": 3, "minute": 14}
